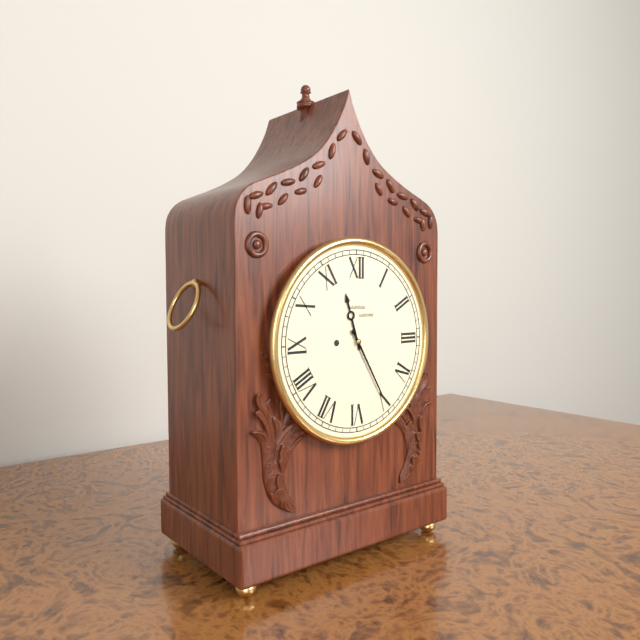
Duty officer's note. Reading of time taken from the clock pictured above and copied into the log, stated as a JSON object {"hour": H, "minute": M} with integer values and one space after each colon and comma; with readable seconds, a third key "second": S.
{"hour": 11, "minute": 25}
